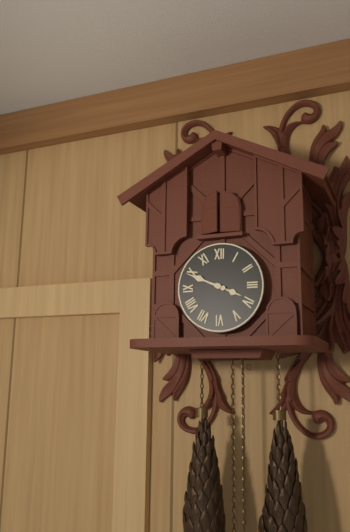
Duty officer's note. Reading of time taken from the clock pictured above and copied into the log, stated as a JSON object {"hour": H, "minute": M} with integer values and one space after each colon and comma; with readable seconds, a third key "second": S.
{"hour": 3, "minute": 49}
